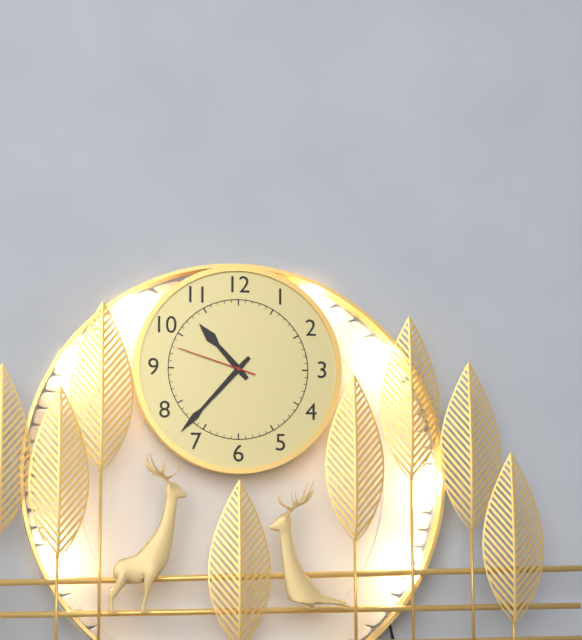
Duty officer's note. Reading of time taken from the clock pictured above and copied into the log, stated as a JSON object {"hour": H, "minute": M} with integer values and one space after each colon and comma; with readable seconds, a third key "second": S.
{"hour": 10, "minute": 37, "second": 48}
